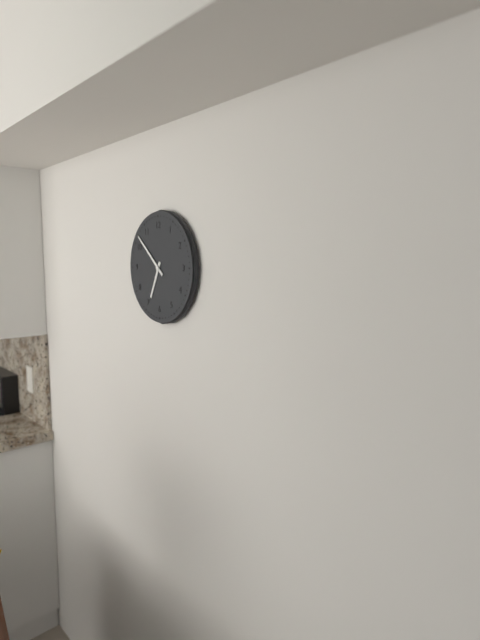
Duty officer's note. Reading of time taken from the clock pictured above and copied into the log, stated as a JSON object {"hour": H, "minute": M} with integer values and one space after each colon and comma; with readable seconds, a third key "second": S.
{"hour": 6, "minute": 52}
